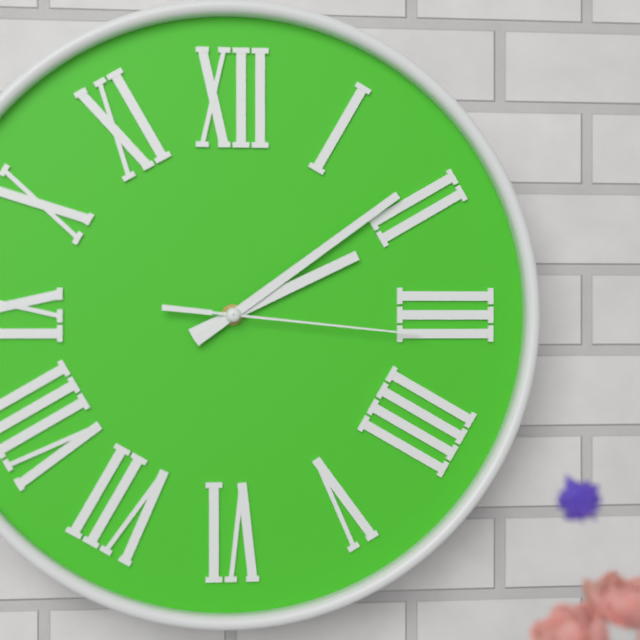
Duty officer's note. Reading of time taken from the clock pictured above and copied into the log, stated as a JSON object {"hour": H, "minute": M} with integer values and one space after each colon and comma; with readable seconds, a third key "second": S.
{"hour": 2, "minute": 9, "second": 16}
